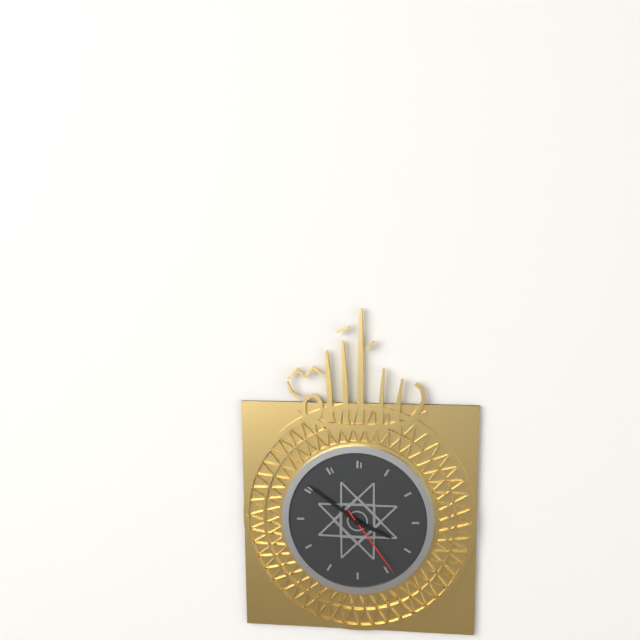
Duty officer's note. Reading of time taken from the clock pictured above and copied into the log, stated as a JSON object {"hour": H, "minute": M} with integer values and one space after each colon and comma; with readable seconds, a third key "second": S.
{"hour": 3, "minute": 51, "second": 24}
